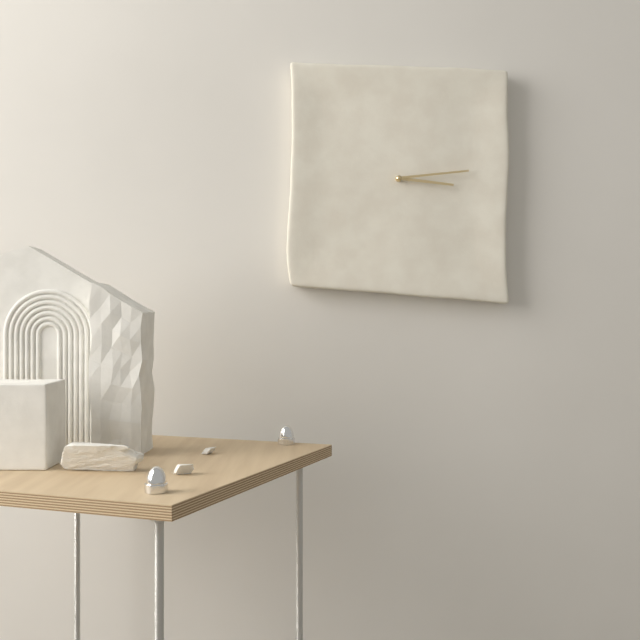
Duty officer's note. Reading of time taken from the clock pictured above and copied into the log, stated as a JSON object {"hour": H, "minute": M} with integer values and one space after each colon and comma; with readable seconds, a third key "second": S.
{"hour": 3, "minute": 14}
